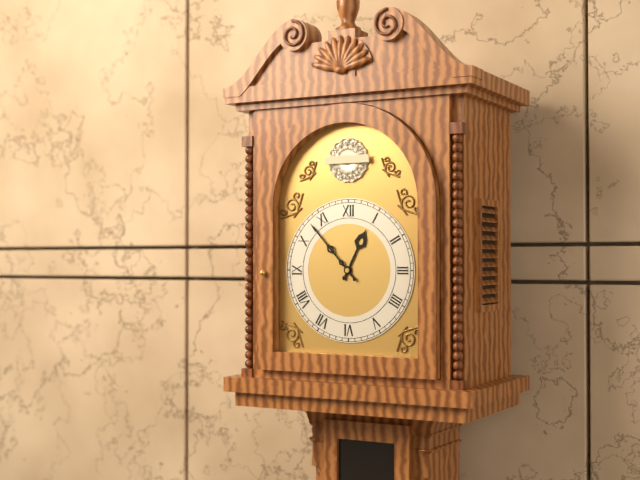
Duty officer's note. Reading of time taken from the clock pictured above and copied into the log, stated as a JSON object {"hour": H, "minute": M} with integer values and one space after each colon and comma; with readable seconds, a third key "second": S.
{"hour": 12, "minute": 53}
